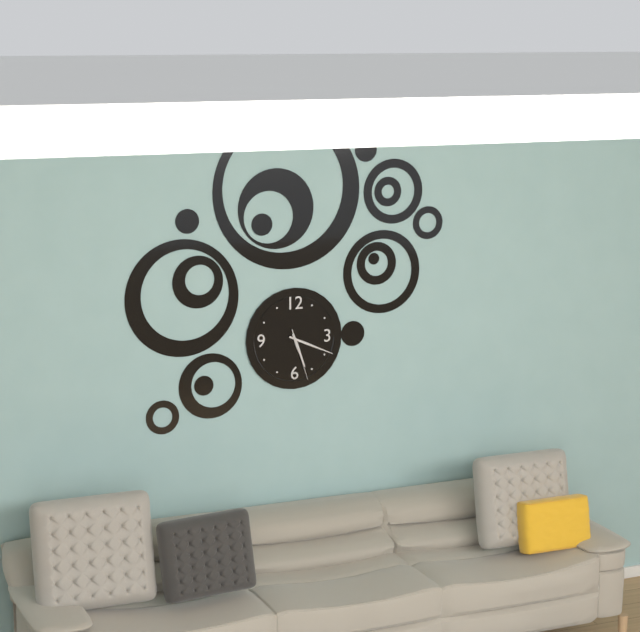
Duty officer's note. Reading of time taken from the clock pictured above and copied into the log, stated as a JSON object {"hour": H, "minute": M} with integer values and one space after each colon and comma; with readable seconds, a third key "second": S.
{"hour": 5, "minute": 19, "second": 27}
